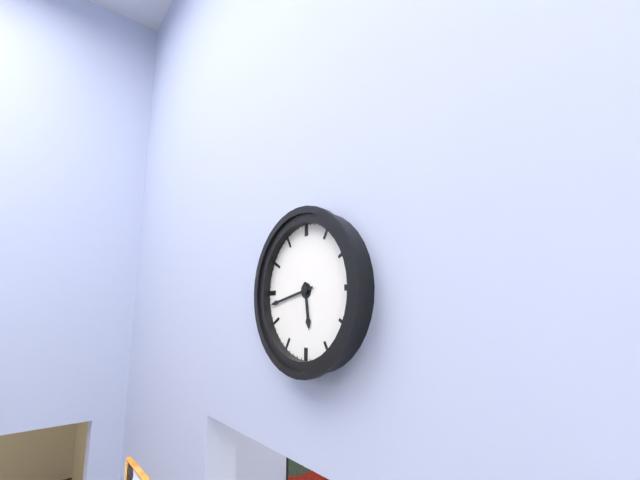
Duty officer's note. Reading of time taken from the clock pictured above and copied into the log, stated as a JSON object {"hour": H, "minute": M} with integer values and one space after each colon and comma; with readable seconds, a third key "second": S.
{"hour": 5, "minute": 43}
